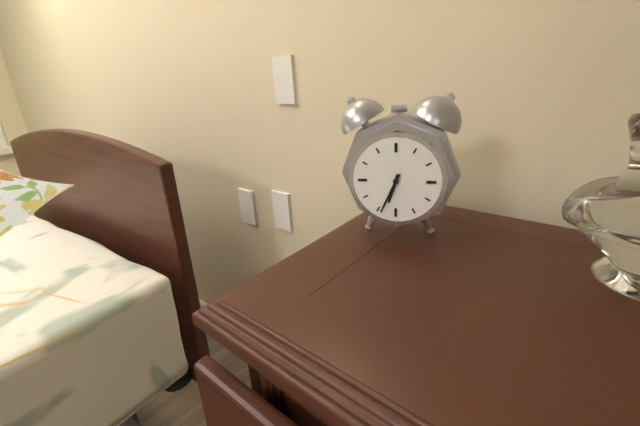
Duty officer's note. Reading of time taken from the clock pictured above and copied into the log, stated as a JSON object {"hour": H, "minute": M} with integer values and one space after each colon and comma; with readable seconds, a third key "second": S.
{"hour": 6, "minute": 34}
